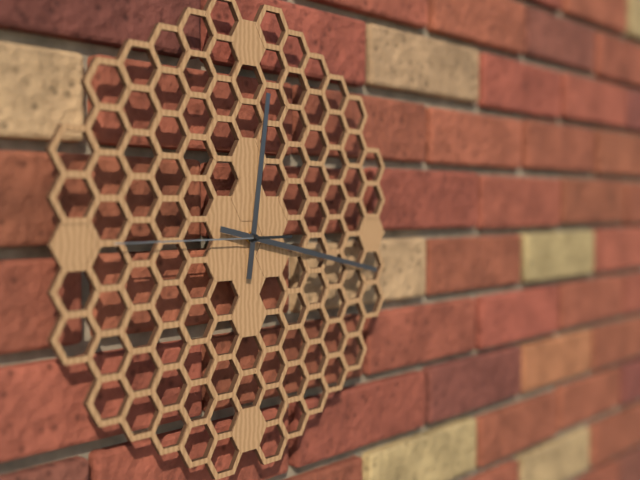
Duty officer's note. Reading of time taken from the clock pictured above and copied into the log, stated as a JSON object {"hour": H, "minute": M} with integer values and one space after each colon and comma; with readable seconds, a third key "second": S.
{"hour": 12, "minute": 17, "second": 45}
